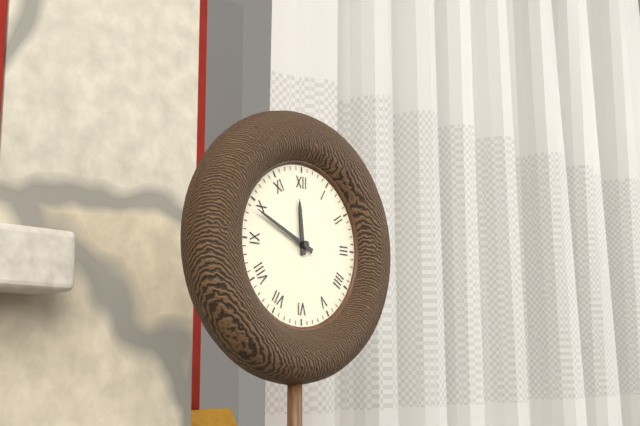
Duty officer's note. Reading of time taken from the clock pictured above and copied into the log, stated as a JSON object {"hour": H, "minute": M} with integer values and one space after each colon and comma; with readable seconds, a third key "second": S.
{"hour": 11, "minute": 49}
